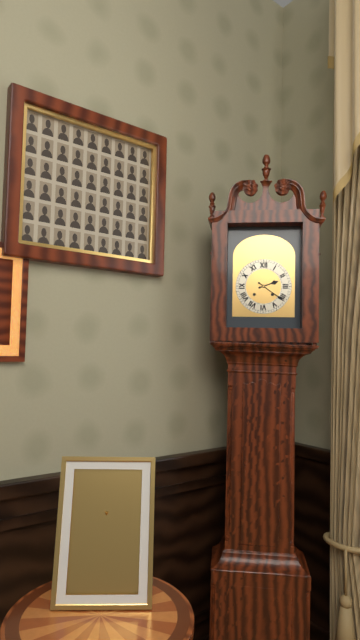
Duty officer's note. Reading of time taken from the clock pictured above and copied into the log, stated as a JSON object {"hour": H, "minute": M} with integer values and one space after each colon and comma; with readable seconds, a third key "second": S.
{"hour": 2, "minute": 21}
